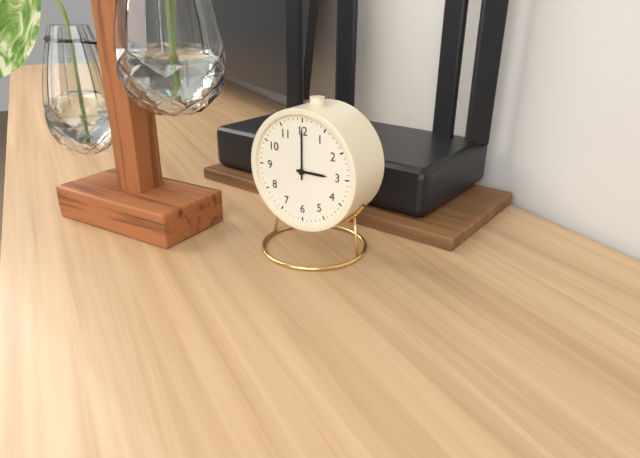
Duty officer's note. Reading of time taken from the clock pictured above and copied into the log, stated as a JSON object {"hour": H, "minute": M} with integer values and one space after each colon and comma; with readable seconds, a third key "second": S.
{"hour": 3, "minute": 0}
